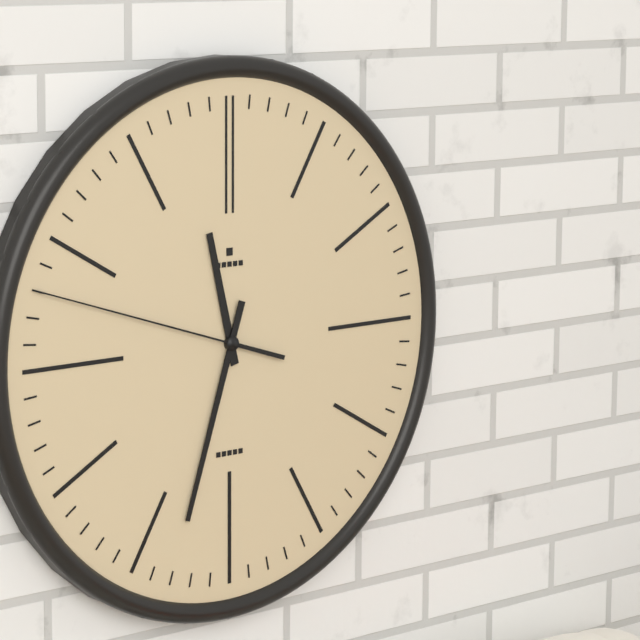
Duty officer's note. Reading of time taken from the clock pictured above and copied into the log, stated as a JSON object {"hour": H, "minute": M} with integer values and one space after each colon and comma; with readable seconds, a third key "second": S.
{"hour": 11, "minute": 33, "second": 48}
